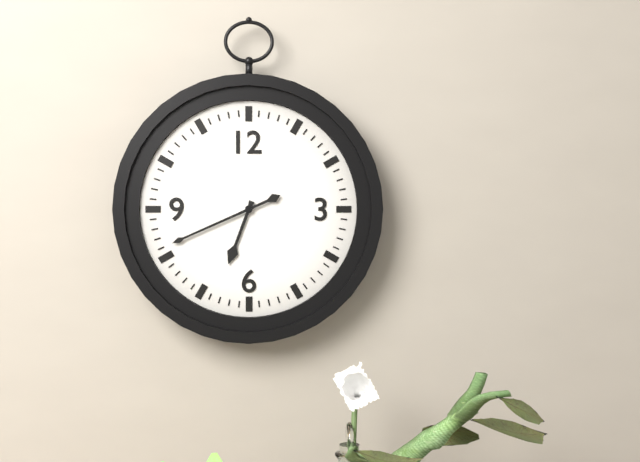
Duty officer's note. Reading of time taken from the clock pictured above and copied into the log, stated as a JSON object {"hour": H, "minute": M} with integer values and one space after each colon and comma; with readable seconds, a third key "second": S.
{"hour": 6, "minute": 41}
